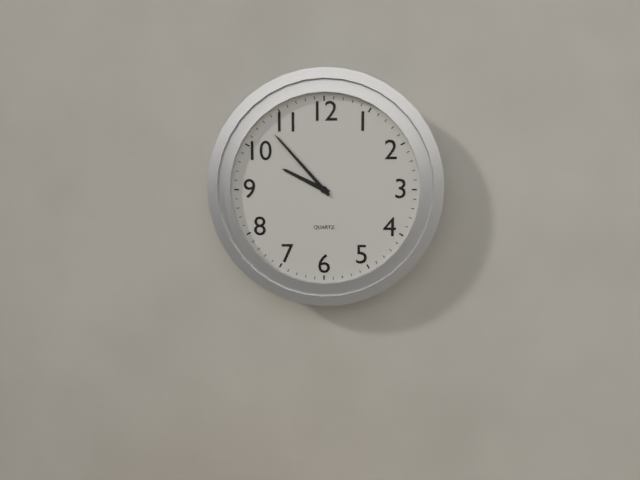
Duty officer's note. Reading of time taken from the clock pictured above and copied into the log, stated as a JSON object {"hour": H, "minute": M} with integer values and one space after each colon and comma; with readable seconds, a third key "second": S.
{"hour": 9, "minute": 53}
